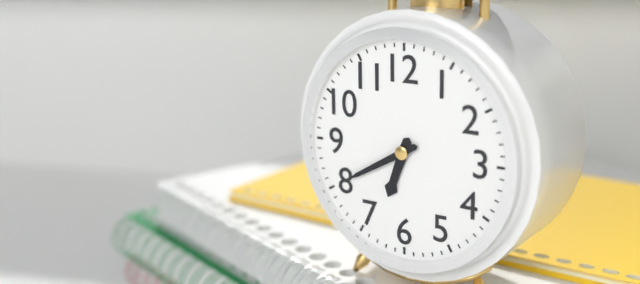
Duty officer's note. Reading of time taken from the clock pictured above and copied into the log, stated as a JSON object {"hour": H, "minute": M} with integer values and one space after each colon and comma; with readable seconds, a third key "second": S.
{"hour": 6, "minute": 40}
